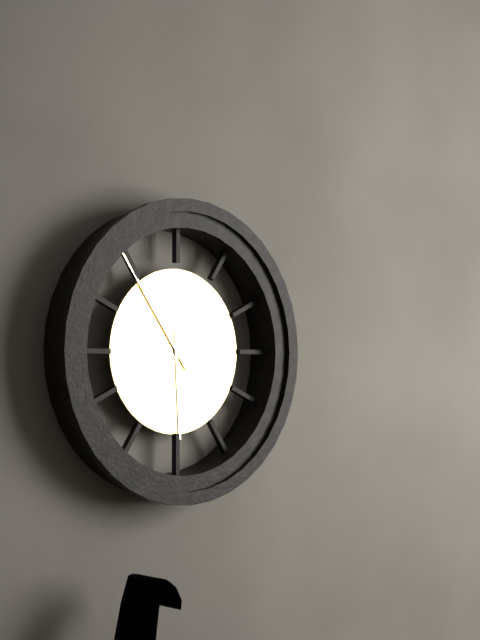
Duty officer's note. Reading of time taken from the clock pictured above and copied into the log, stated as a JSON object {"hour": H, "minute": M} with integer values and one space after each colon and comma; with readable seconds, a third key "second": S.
{"hour": 5, "minute": 54}
